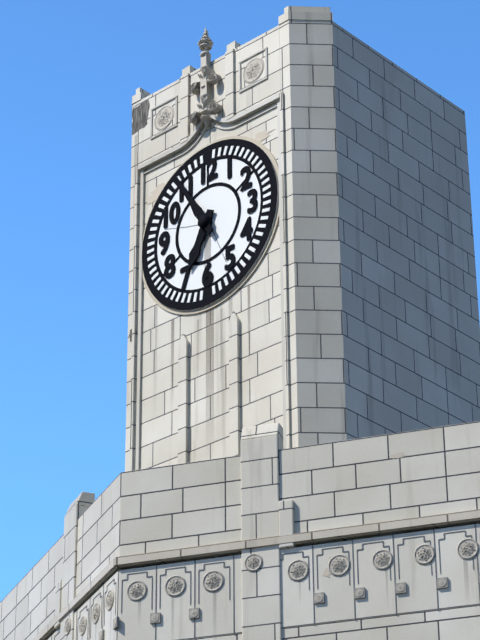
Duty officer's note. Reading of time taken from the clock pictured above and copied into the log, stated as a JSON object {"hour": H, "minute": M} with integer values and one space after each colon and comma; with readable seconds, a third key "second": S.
{"hour": 6, "minute": 55}
